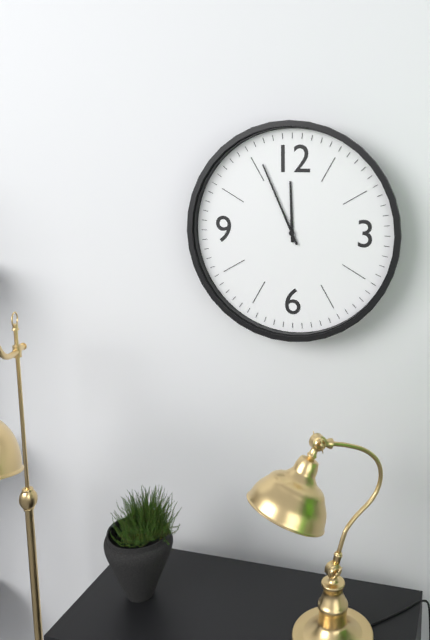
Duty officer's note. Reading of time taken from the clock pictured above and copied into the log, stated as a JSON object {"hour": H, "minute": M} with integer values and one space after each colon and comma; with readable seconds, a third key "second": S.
{"hour": 11, "minute": 56}
